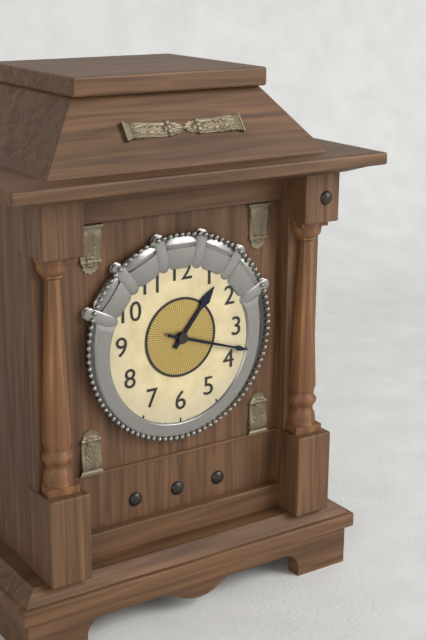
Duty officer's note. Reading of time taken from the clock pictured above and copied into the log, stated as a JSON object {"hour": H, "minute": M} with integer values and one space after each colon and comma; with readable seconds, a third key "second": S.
{"hour": 1, "minute": 18}
